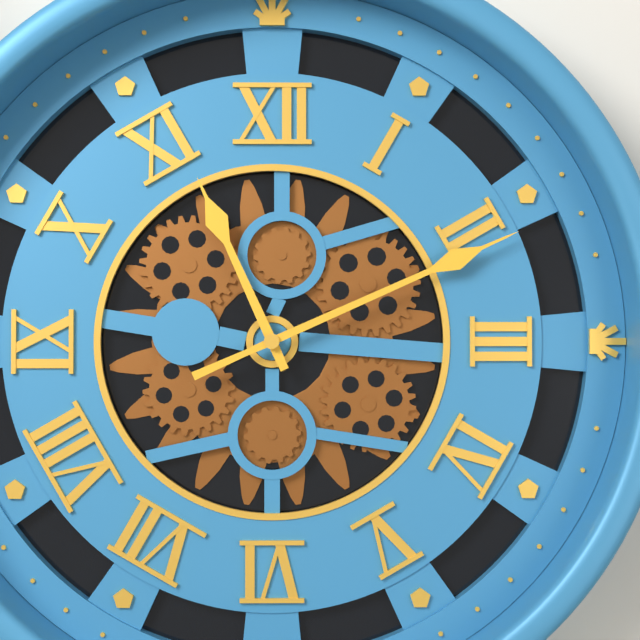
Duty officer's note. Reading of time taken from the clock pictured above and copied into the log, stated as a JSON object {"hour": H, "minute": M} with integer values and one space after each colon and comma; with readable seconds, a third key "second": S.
{"hour": 11, "minute": 11}
